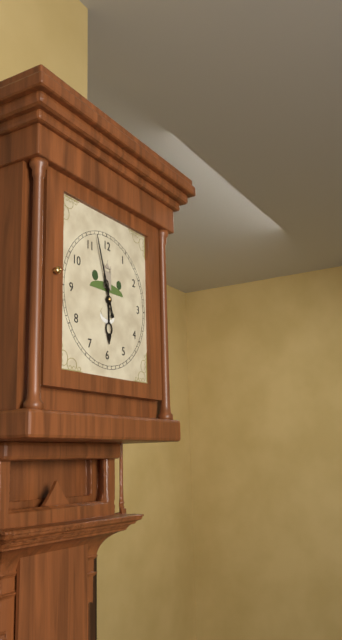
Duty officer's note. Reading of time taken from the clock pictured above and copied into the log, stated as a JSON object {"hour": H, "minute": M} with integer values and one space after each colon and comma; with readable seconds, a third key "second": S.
{"hour": 5, "minute": 57}
